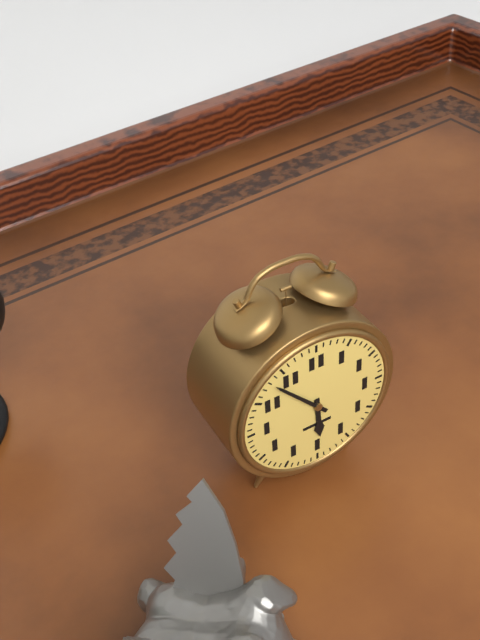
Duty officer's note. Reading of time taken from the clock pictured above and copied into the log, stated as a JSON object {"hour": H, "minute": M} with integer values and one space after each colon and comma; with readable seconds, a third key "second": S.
{"hour": 5, "minute": 53}
